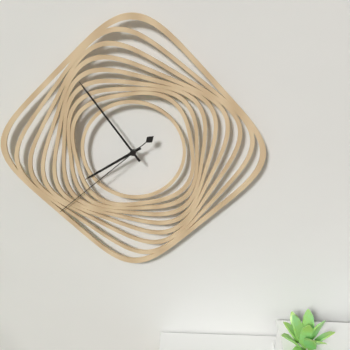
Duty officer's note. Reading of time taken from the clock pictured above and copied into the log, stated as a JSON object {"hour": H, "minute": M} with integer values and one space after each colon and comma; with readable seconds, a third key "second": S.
{"hour": 7, "minute": 54, "second": 38}
